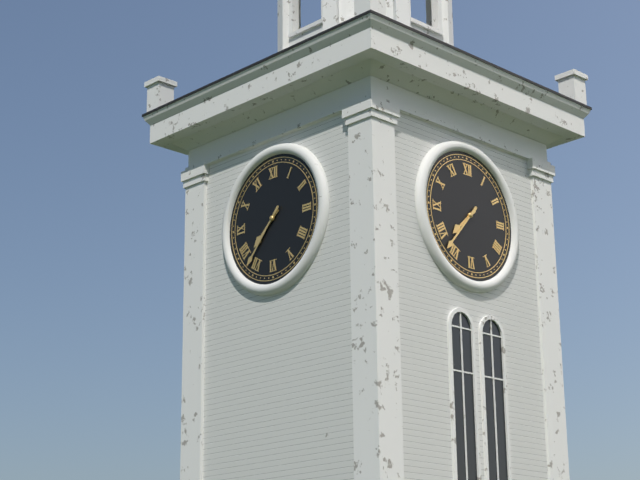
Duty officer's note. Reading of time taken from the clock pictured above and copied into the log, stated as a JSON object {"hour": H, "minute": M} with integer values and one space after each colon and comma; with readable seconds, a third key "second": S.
{"hour": 7, "minute": 37}
